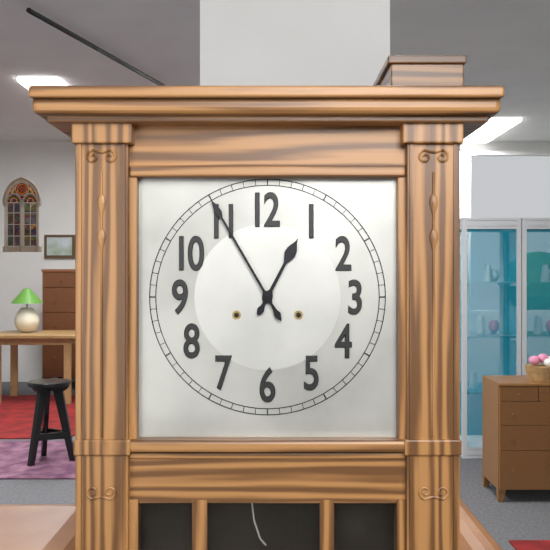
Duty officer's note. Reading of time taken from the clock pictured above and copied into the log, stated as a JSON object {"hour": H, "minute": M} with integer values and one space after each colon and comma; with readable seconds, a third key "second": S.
{"hour": 12, "minute": 55}
